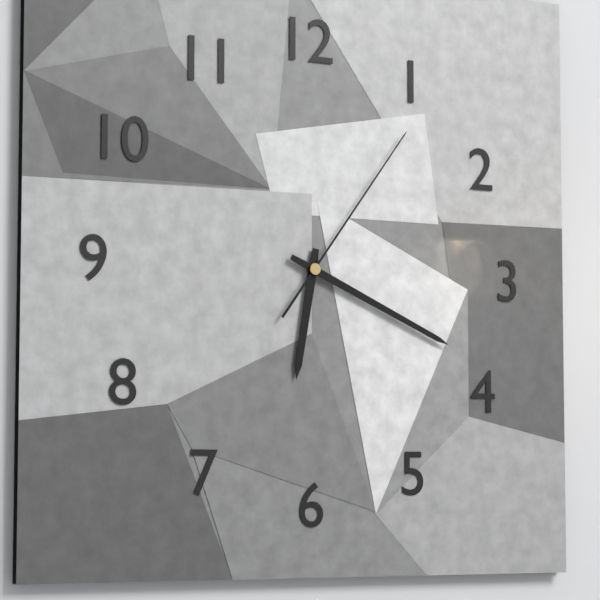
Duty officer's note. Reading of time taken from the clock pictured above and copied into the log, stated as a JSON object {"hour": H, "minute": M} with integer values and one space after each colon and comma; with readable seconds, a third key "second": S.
{"hour": 6, "minute": 19, "second": 6}
